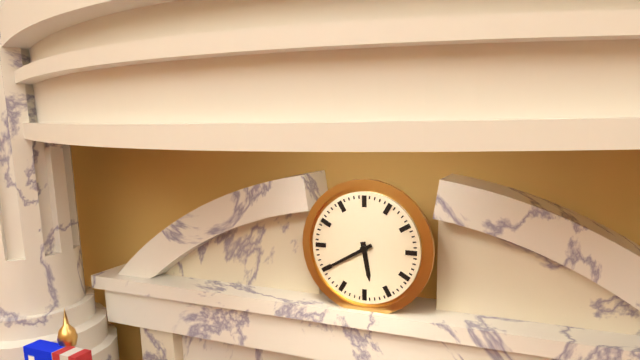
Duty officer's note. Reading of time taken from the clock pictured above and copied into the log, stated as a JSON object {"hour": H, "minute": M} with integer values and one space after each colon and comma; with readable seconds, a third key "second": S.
{"hour": 5, "minute": 40}
